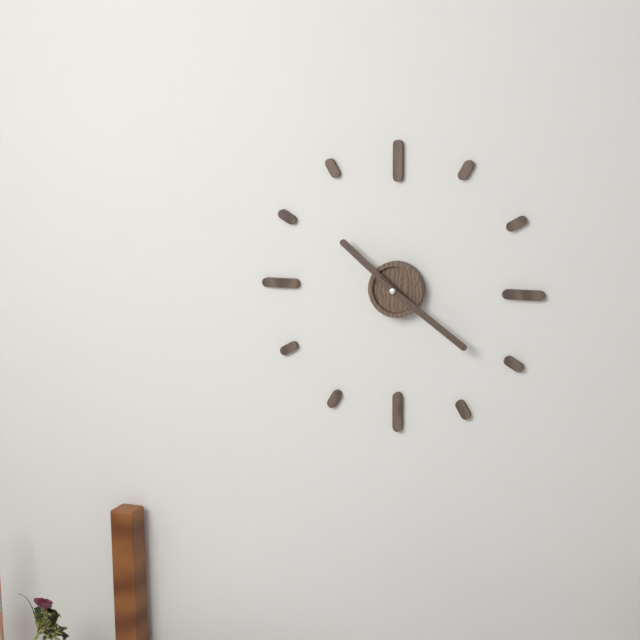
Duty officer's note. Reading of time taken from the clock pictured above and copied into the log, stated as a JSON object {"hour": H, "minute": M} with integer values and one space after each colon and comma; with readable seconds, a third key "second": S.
{"hour": 10, "minute": 21}
